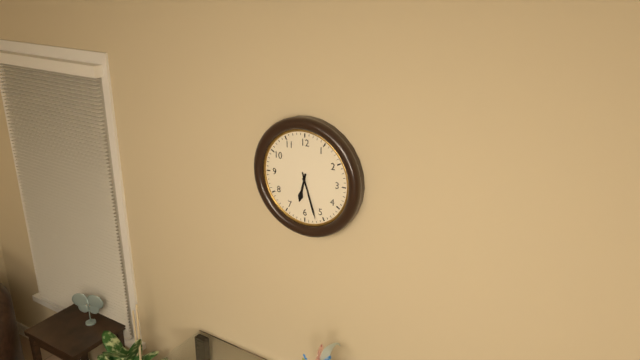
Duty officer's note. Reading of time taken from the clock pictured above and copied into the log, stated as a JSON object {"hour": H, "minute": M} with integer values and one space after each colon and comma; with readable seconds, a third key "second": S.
{"hour": 6, "minute": 27}
